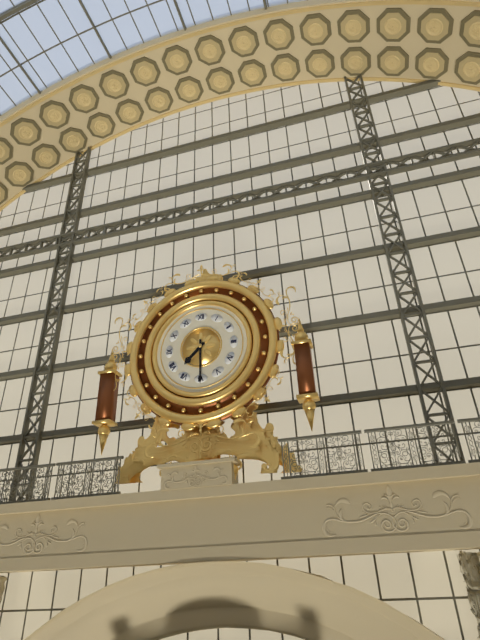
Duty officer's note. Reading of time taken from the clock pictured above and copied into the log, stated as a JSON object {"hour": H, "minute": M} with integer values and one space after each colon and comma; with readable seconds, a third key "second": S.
{"hour": 7, "minute": 30}
